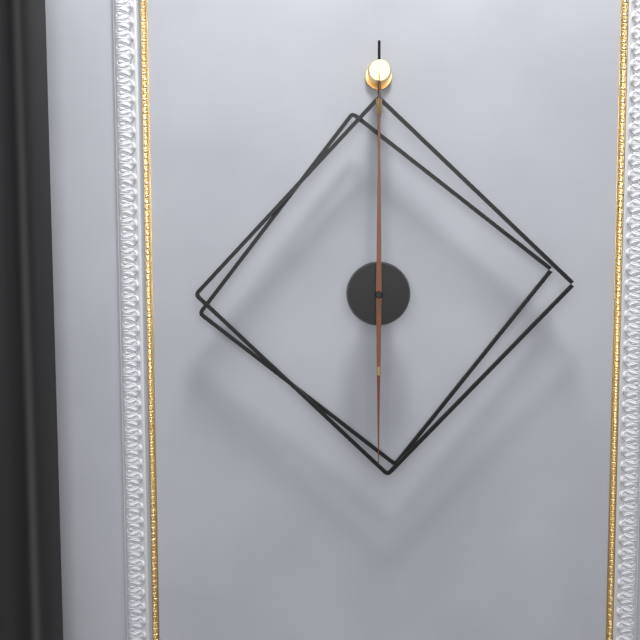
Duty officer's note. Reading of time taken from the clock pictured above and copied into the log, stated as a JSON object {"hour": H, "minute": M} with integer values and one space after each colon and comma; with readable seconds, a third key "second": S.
{"hour": 6, "minute": 0}
